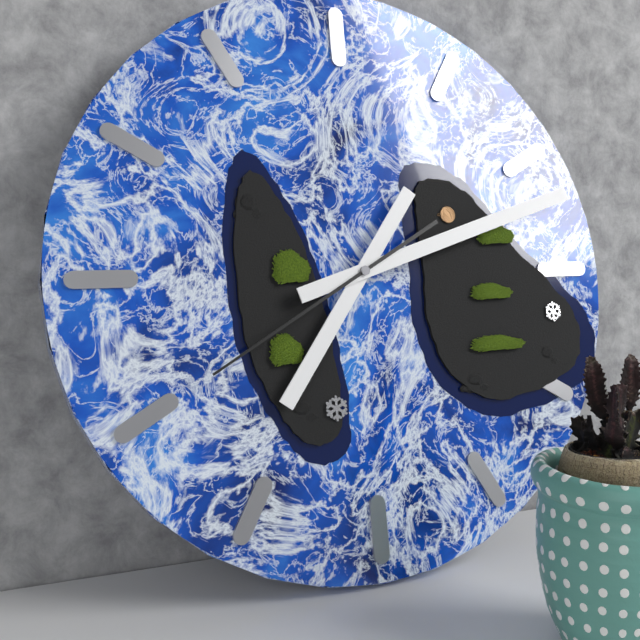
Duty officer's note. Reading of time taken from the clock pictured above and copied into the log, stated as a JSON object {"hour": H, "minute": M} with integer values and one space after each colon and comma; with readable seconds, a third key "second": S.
{"hour": 7, "minute": 12, "second": 40}
